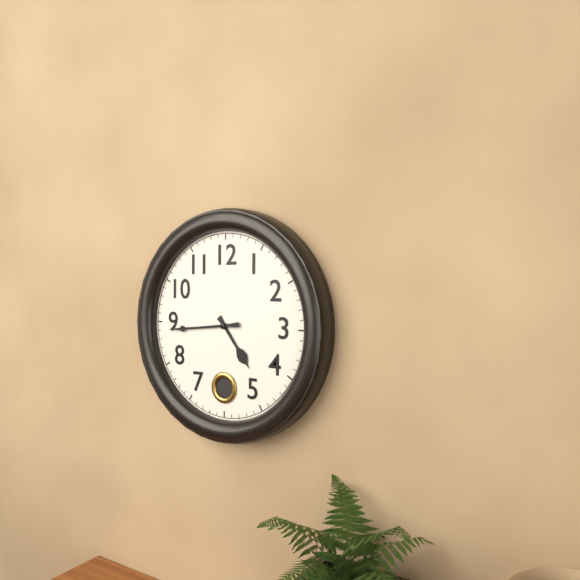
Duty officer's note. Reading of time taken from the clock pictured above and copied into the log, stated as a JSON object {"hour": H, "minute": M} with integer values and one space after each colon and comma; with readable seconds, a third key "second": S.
{"hour": 4, "minute": 44}
